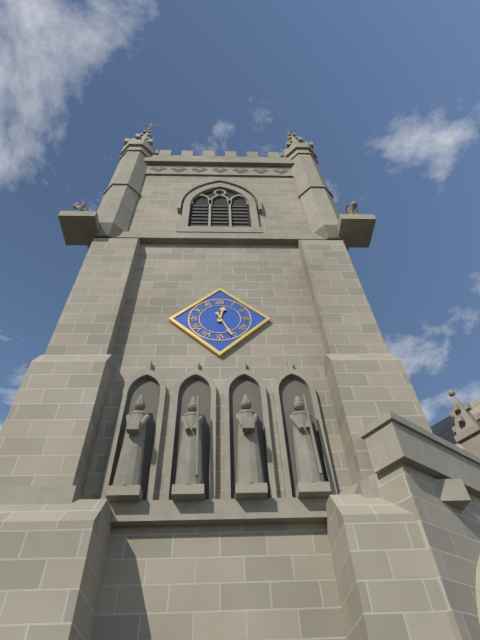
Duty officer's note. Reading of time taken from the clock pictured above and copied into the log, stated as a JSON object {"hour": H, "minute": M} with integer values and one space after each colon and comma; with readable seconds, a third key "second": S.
{"hour": 12, "minute": 26}
